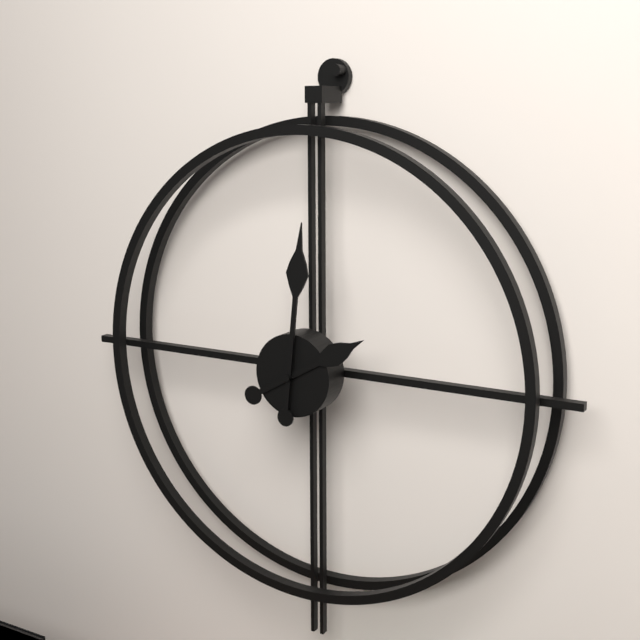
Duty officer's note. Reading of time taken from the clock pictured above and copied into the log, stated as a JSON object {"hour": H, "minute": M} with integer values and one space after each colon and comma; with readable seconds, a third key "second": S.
{"hour": 2, "minute": 1}
